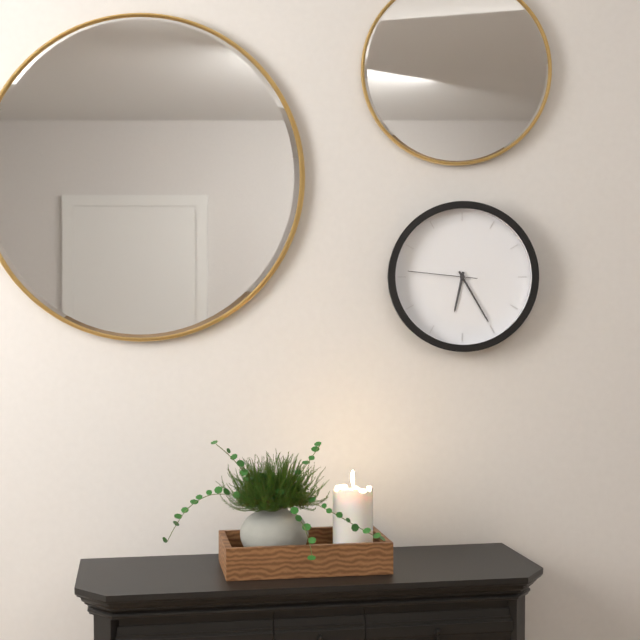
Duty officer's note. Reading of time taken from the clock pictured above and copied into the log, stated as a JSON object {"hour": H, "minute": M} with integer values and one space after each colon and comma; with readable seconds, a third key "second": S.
{"hour": 6, "minute": 25, "second": 46}
